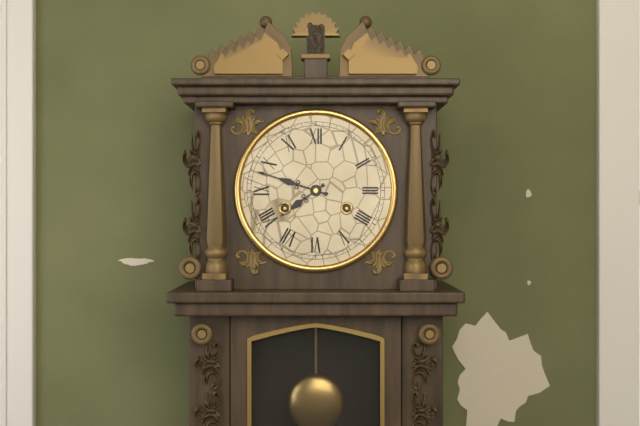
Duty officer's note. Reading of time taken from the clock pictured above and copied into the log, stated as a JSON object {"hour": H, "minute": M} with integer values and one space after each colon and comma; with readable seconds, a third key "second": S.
{"hour": 7, "minute": 48}
